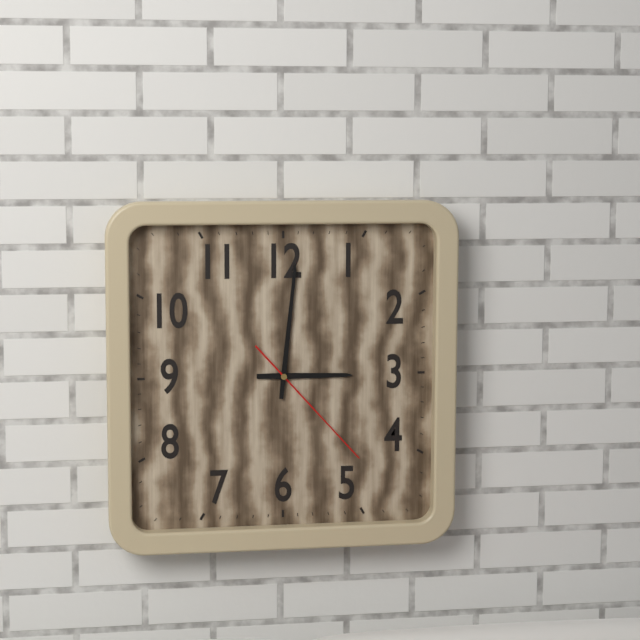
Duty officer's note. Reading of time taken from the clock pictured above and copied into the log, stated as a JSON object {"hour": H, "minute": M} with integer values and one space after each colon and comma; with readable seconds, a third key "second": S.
{"hour": 3, "minute": 1, "second": 23}
